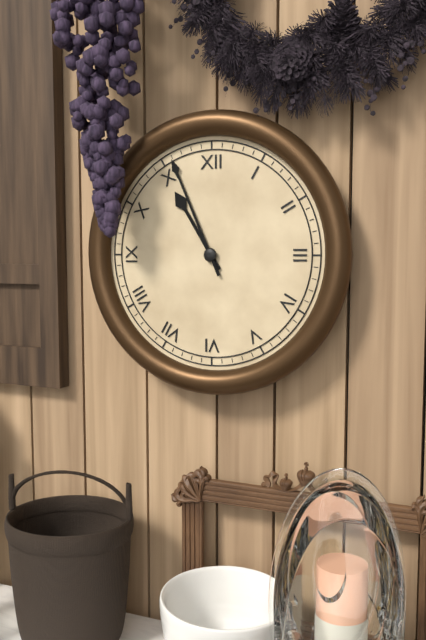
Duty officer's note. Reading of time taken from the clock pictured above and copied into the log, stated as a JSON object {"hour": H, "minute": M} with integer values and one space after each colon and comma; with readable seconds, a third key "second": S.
{"hour": 10, "minute": 56}
